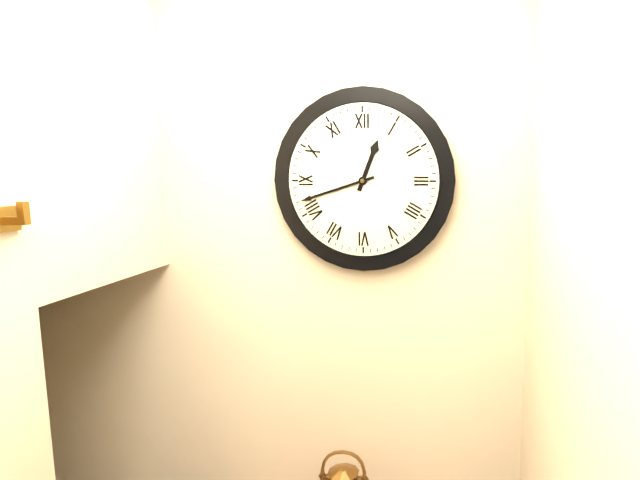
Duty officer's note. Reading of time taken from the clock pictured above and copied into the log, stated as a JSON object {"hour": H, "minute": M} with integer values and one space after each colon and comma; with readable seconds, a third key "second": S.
{"hour": 12, "minute": 42}
